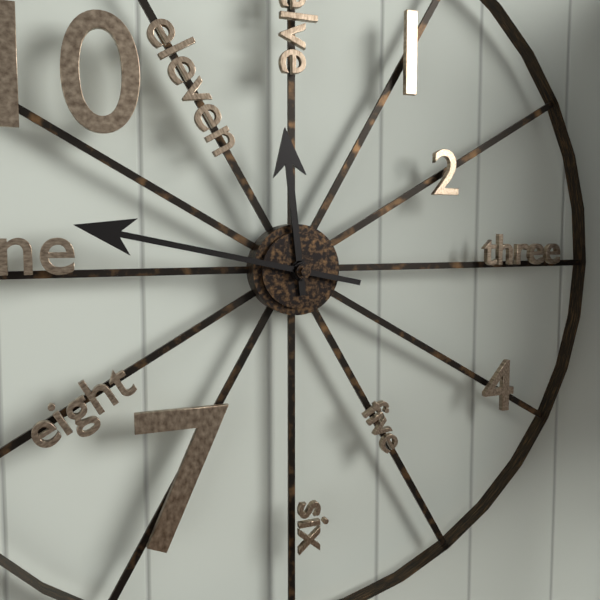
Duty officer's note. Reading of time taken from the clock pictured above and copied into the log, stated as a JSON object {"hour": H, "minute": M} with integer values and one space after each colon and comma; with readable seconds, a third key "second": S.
{"hour": 11, "minute": 47}
